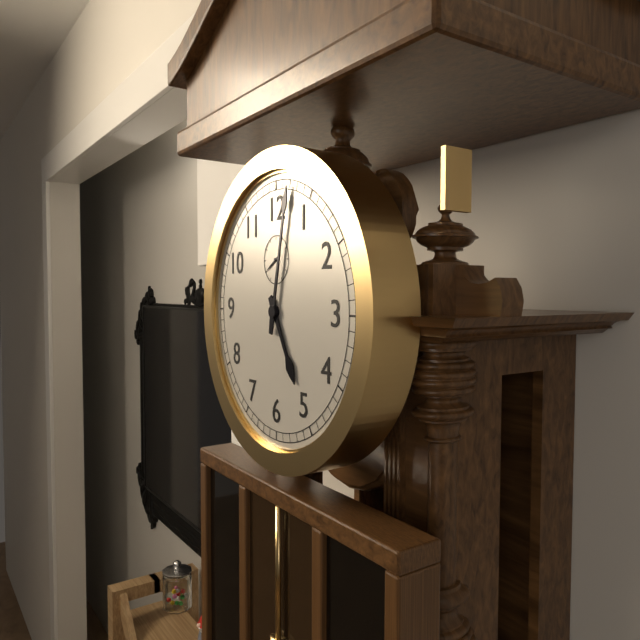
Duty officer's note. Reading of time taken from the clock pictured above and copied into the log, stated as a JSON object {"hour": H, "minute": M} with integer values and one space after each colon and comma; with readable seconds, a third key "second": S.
{"hour": 5, "minute": 2}
